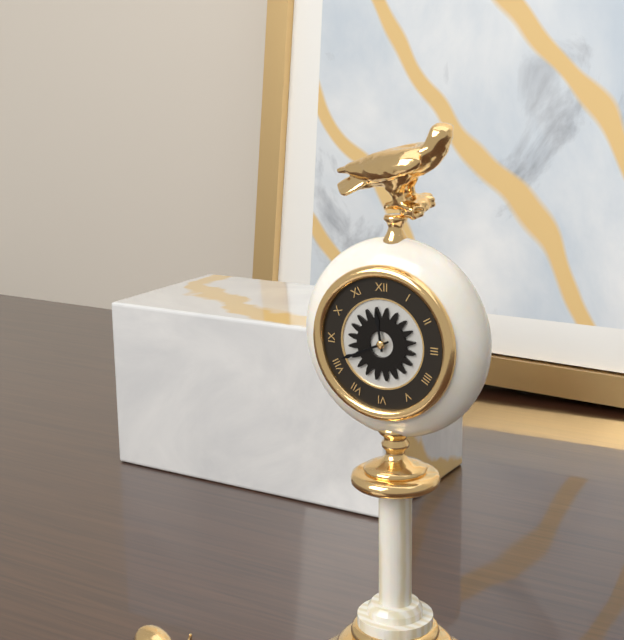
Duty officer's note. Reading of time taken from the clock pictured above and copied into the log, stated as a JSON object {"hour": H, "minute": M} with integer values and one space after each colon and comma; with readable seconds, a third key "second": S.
{"hour": 11, "minute": 41}
